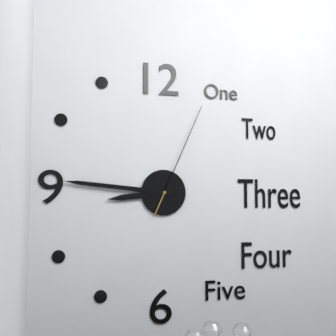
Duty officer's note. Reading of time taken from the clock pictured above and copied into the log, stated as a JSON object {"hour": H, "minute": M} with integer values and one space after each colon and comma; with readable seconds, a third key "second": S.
{"hour": 8, "minute": 46, "second": 4}
